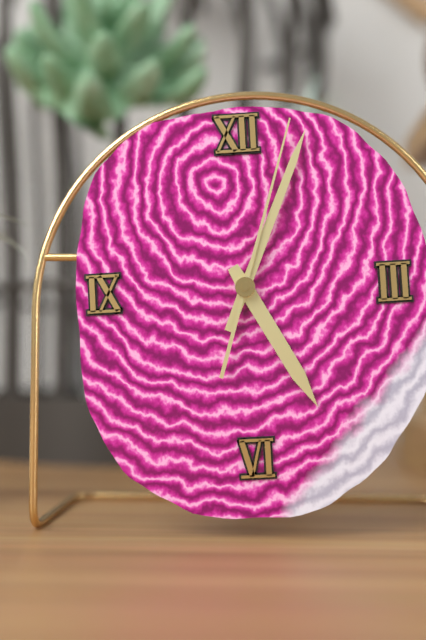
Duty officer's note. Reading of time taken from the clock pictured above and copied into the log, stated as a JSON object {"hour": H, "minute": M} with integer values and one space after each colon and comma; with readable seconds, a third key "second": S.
{"hour": 5, "minute": 4, "second": 3}
